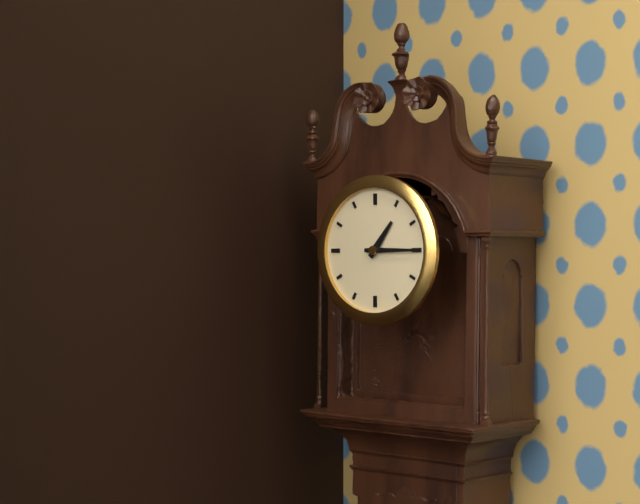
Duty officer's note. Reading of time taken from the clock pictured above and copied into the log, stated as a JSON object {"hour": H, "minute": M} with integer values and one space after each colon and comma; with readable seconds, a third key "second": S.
{"hour": 1, "minute": 15}
